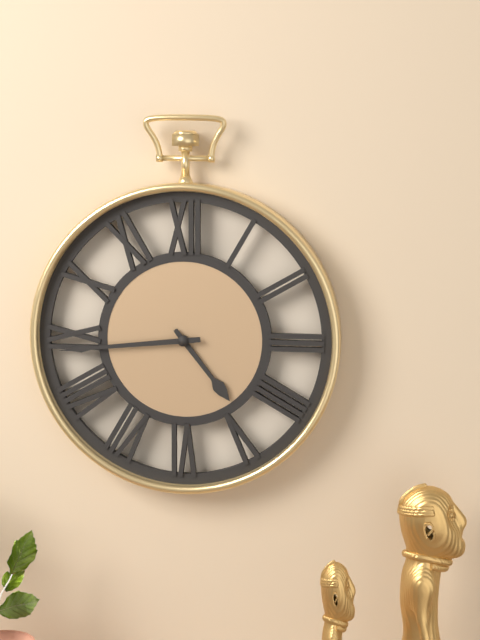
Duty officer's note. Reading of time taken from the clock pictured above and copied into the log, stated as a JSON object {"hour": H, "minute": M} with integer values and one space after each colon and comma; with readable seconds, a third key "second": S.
{"hour": 4, "minute": 44}
